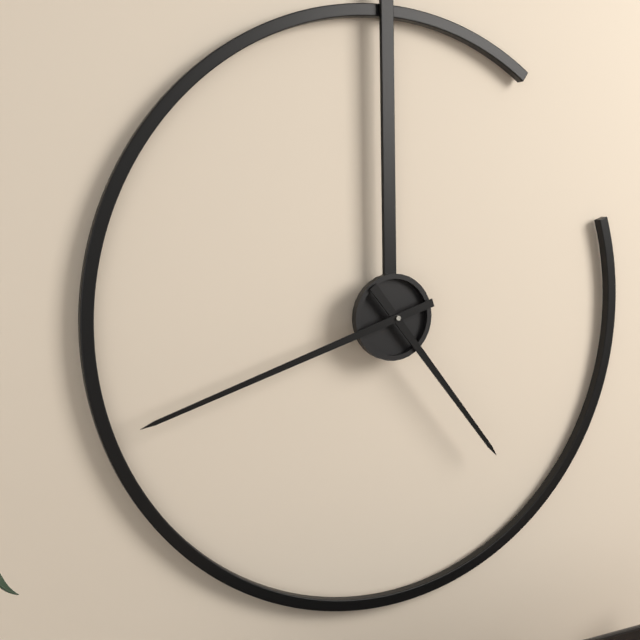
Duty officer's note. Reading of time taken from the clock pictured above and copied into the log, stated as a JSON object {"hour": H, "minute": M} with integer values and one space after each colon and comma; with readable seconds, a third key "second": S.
{"hour": 4, "minute": 42}
